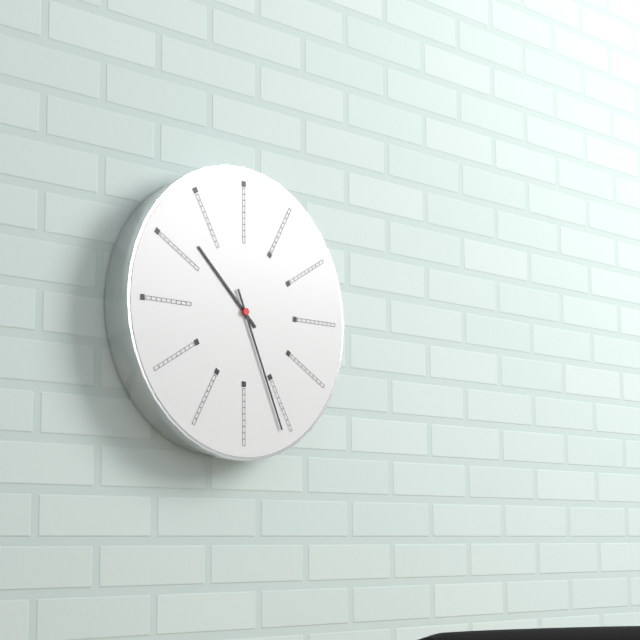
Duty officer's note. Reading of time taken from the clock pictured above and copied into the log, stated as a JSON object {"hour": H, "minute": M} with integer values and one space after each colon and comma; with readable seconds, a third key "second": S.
{"hour": 10, "minute": 26}
